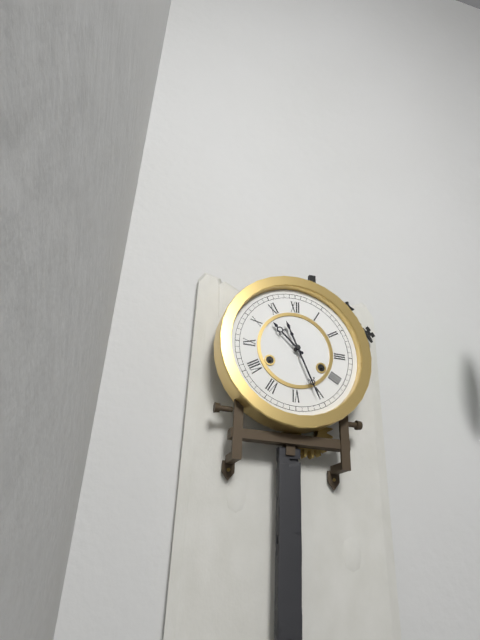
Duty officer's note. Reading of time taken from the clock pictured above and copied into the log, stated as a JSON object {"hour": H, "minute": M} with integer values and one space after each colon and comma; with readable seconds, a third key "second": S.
{"hour": 10, "minute": 26}
